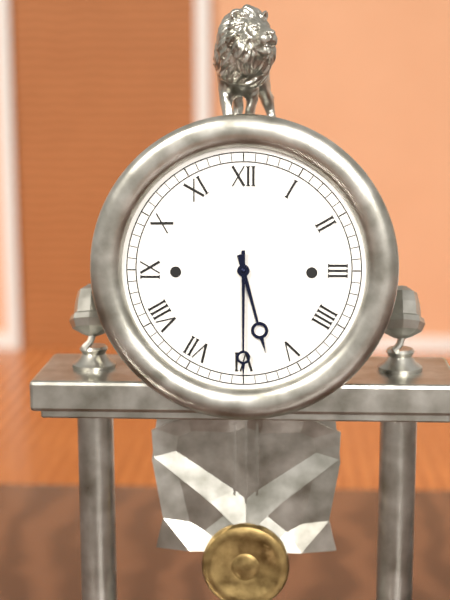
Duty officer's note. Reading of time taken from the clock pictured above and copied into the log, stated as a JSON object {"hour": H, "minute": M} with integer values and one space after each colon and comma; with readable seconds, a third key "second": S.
{"hour": 5, "minute": 30}
